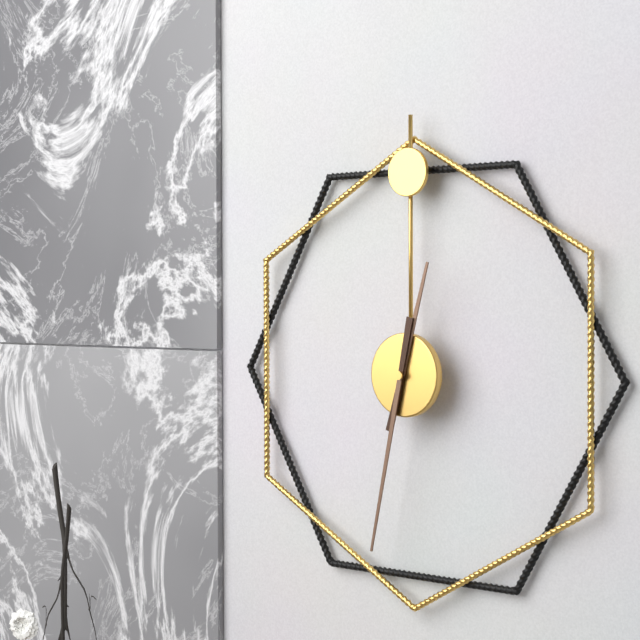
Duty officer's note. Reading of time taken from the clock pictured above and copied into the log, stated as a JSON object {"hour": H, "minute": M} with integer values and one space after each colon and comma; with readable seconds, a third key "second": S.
{"hour": 12, "minute": 32}
